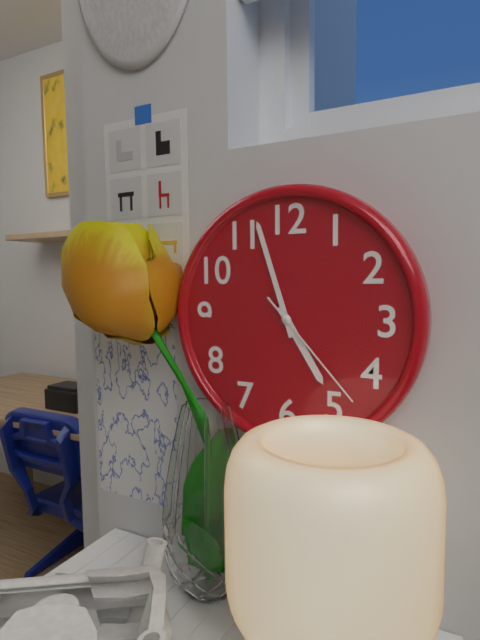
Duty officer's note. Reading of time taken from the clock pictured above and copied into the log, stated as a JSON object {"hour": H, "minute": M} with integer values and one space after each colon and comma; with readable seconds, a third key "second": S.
{"hour": 4, "minute": 57, "second": 23}
